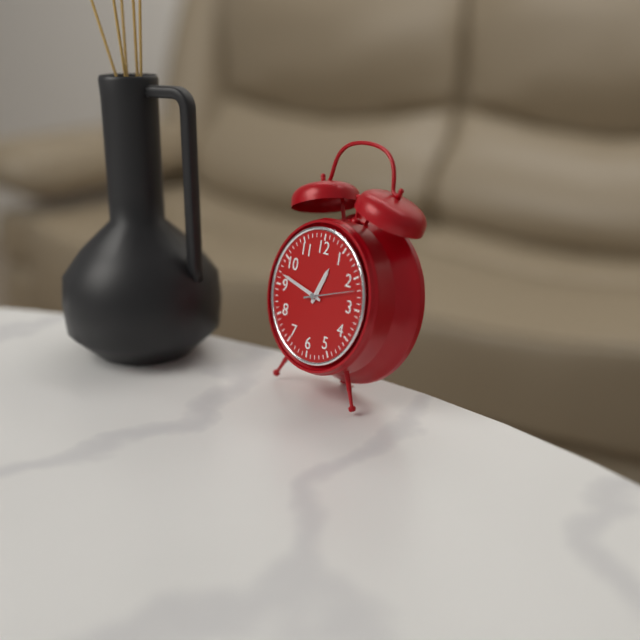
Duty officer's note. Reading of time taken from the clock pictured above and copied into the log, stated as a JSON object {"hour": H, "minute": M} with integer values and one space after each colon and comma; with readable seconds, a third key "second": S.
{"hour": 12, "minute": 47}
